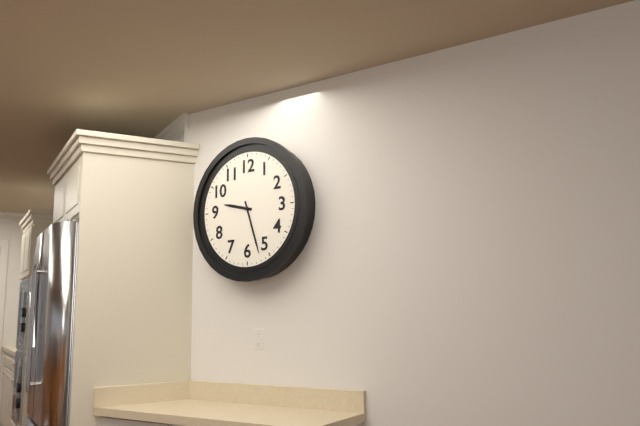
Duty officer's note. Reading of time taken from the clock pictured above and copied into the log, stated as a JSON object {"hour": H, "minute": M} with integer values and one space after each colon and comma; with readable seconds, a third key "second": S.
{"hour": 9, "minute": 27}
